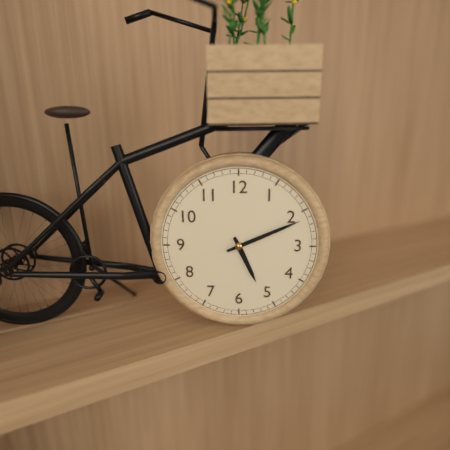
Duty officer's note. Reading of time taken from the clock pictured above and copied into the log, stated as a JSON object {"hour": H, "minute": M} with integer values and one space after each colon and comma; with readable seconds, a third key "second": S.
{"hour": 5, "minute": 11}
